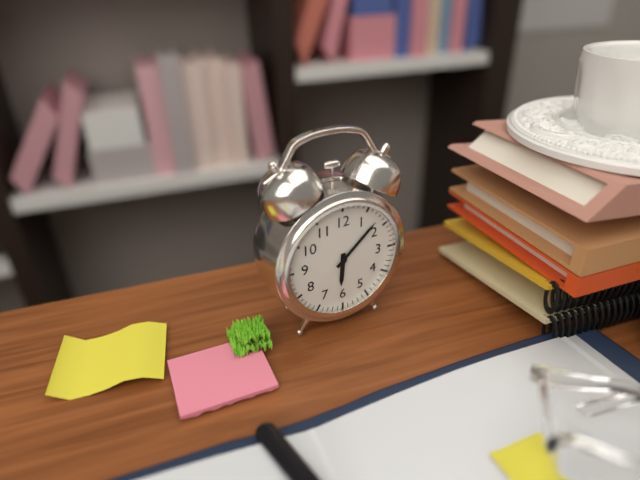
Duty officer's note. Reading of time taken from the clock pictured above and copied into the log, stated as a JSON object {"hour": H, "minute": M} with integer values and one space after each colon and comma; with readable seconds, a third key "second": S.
{"hour": 6, "minute": 8}
